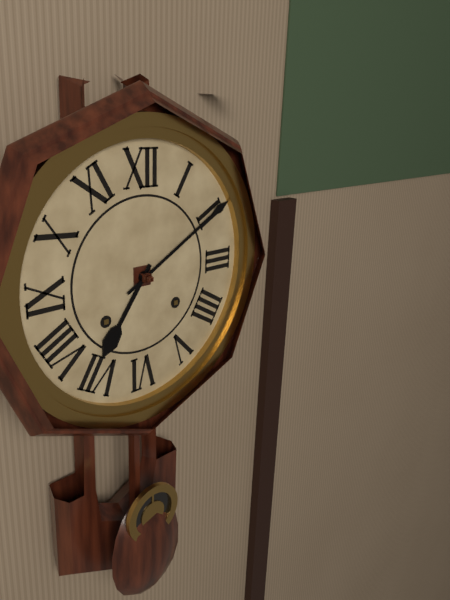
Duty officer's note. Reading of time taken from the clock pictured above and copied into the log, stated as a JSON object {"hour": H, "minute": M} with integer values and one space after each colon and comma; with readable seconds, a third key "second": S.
{"hour": 7, "minute": 10}
